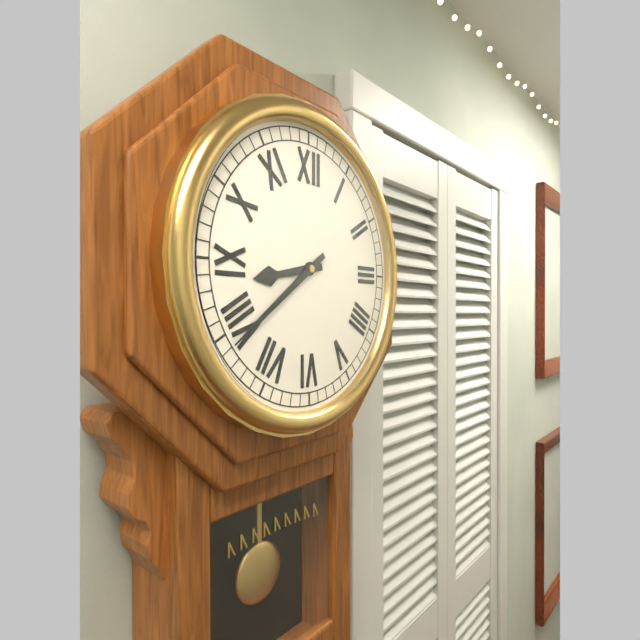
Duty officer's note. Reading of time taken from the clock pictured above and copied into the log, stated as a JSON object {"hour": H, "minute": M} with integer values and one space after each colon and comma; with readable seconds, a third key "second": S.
{"hour": 8, "minute": 39}
